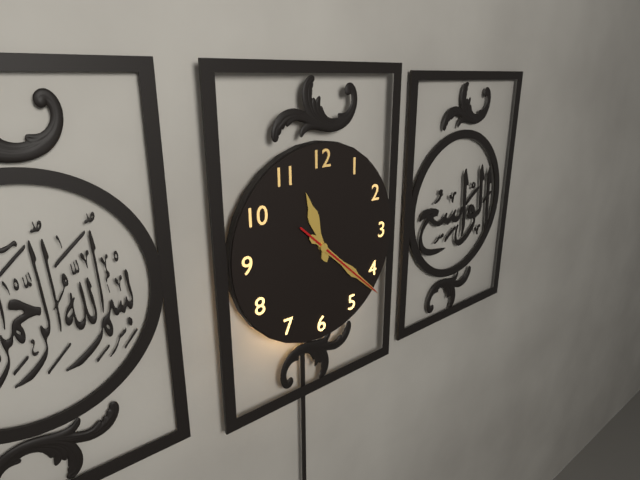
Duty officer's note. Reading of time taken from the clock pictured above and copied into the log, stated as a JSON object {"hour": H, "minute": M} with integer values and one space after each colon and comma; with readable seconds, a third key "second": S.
{"hour": 11, "minute": 22, "second": 22}
